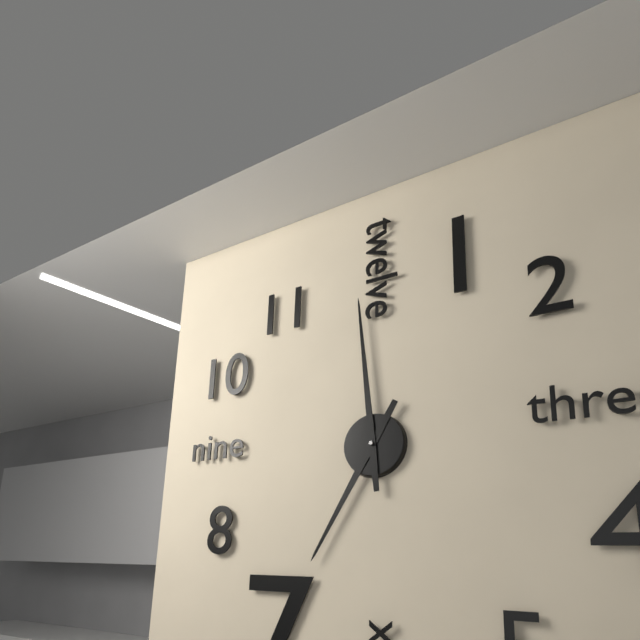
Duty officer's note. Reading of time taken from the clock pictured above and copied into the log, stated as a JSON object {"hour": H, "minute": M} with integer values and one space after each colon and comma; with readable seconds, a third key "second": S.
{"hour": 6, "minute": 59}
